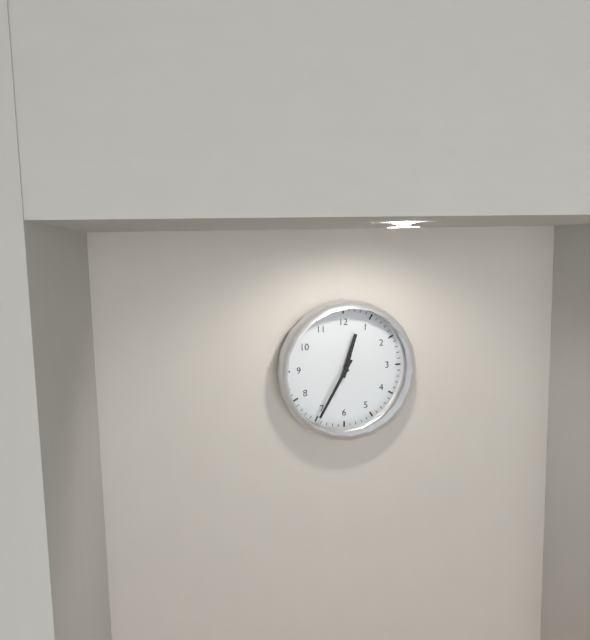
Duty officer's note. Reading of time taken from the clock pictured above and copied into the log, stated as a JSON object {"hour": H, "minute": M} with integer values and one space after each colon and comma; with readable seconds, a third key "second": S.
{"hour": 12, "minute": 35}
